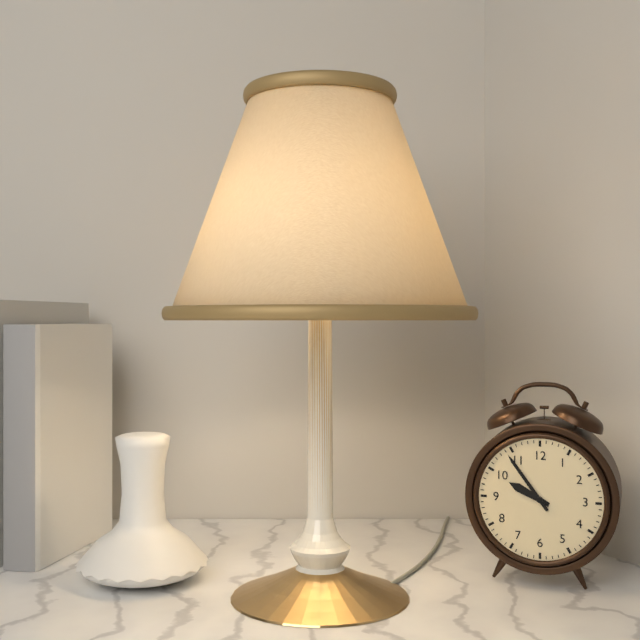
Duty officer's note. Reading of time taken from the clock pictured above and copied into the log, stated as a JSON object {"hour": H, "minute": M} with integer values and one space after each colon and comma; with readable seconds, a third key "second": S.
{"hour": 9, "minute": 54}
